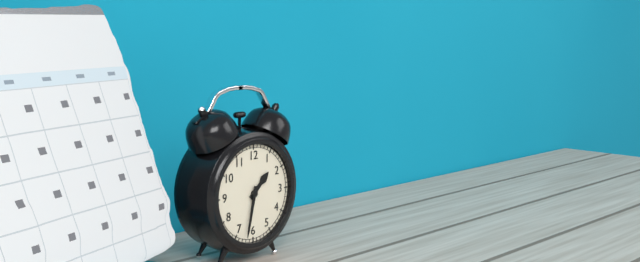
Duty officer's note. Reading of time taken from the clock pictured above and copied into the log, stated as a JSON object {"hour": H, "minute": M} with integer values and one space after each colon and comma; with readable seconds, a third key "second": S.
{"hour": 1, "minute": 32}
